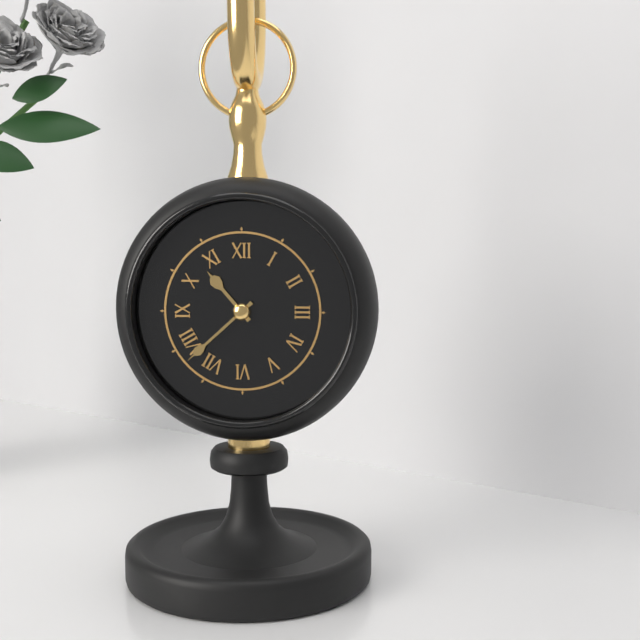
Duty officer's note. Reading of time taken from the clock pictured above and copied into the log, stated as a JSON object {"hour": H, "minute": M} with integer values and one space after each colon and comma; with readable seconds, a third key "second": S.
{"hour": 10, "minute": 38}
